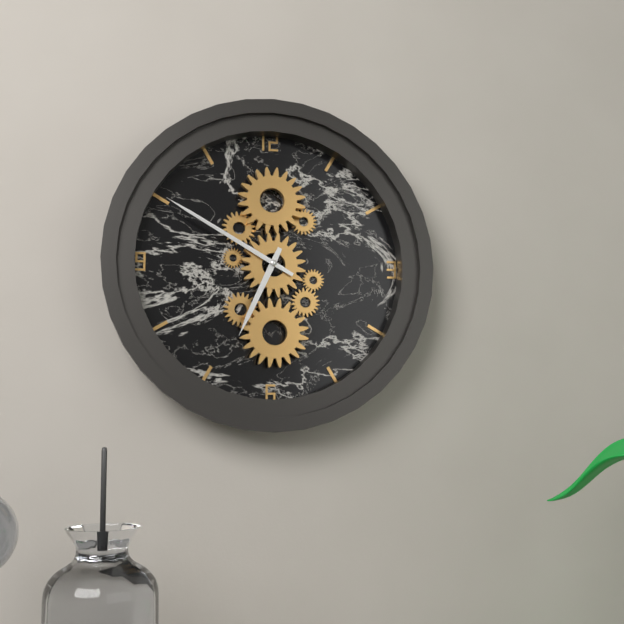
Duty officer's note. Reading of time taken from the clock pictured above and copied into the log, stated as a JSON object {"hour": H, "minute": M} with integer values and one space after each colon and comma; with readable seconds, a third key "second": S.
{"hour": 6, "minute": 50}
